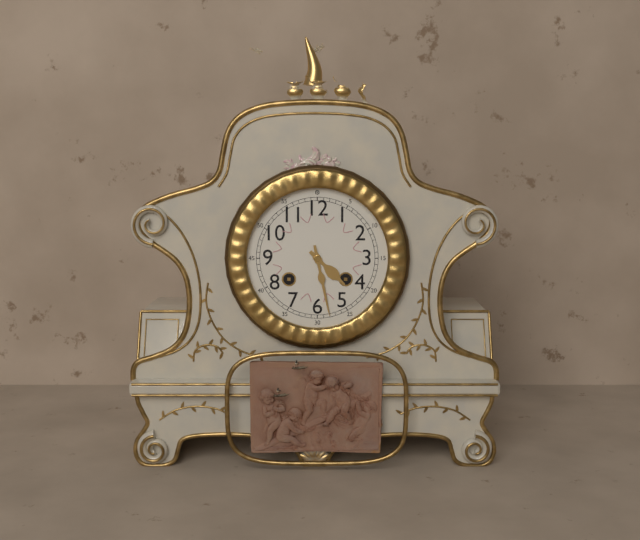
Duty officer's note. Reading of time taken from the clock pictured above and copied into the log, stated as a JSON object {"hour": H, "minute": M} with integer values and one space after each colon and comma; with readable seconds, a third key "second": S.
{"hour": 4, "minute": 28}
